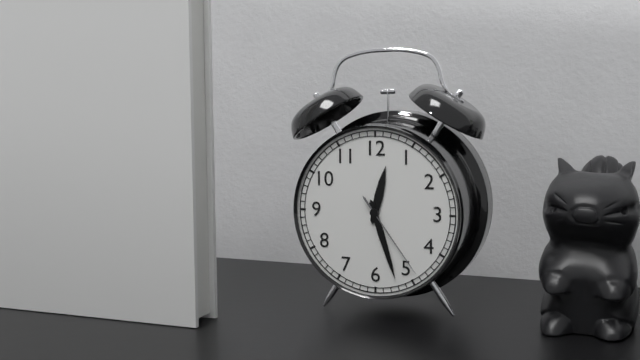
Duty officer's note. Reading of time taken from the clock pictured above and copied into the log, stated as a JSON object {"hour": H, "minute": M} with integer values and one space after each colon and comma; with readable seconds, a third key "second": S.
{"hour": 12, "minute": 27, "second": 24}
